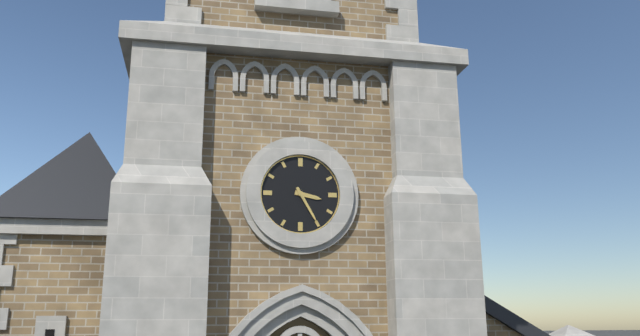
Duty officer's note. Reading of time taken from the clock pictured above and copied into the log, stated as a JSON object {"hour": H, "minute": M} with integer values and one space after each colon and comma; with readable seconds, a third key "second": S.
{"hour": 3, "minute": 25}
